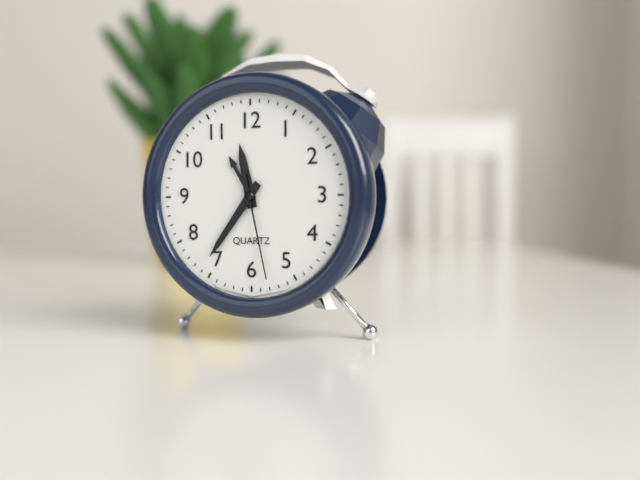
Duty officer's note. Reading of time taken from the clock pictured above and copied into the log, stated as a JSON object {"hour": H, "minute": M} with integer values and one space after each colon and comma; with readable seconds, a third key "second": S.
{"hour": 11, "minute": 36, "second": 28}
